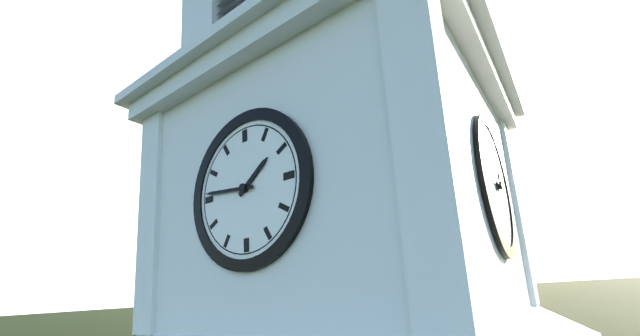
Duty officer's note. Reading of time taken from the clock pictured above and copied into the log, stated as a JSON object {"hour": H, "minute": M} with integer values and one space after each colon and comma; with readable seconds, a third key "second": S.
{"hour": 1, "minute": 46}
